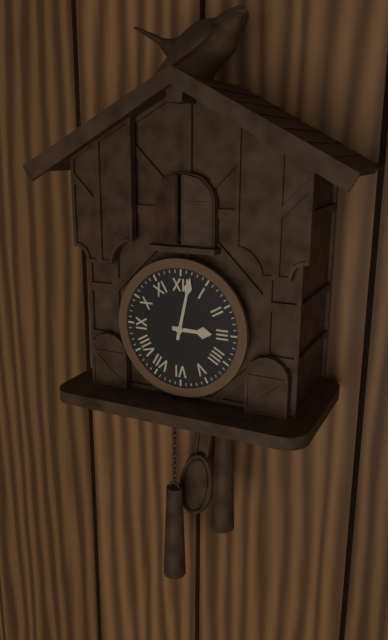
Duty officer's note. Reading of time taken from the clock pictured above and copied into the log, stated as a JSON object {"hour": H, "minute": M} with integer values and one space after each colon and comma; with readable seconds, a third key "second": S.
{"hour": 3, "minute": 2}
